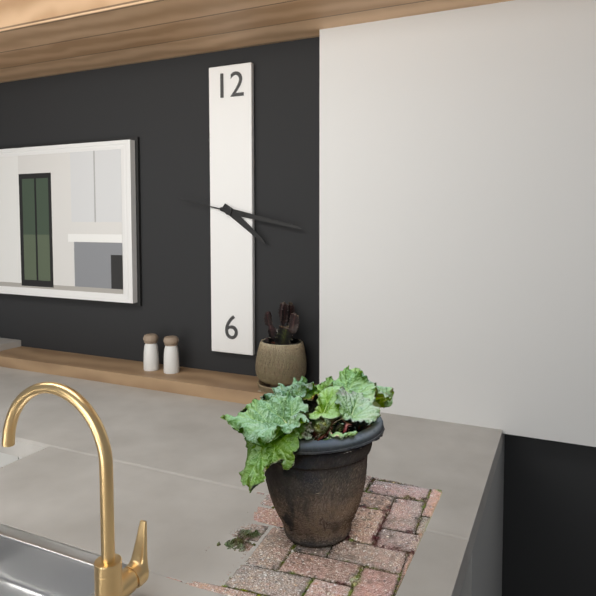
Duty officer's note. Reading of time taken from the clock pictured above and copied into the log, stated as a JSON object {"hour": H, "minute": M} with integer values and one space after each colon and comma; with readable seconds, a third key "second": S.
{"hour": 4, "minute": 17, "second": 47}
